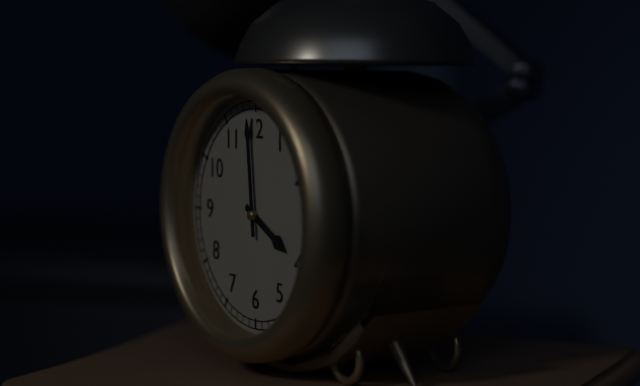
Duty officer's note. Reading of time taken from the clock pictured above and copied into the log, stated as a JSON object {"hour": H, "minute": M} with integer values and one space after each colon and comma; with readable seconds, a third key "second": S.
{"hour": 3, "minute": 59}
